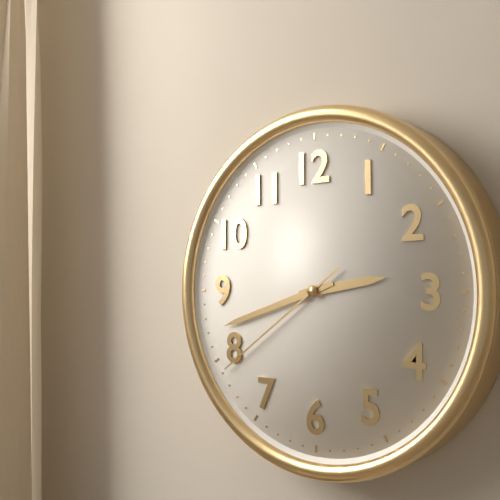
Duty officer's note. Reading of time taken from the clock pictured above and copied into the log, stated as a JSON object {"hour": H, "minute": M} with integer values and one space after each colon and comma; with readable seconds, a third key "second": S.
{"hour": 2, "minute": 42, "second": 39}
